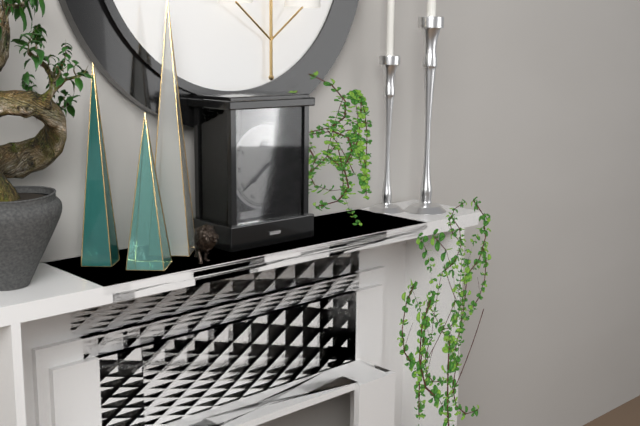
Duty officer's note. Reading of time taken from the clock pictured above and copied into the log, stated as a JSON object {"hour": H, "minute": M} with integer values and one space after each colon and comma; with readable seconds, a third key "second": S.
{"hour": 7, "minute": 39}
